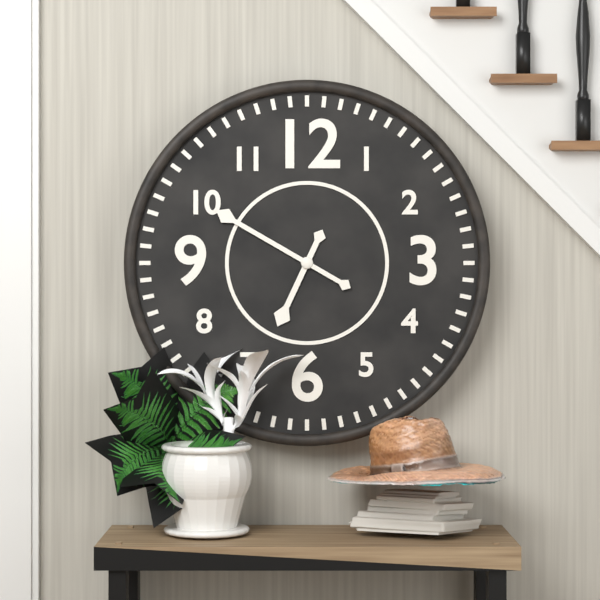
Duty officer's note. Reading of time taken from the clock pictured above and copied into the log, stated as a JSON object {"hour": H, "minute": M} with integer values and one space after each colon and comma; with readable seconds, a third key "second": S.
{"hour": 6, "minute": 50}
